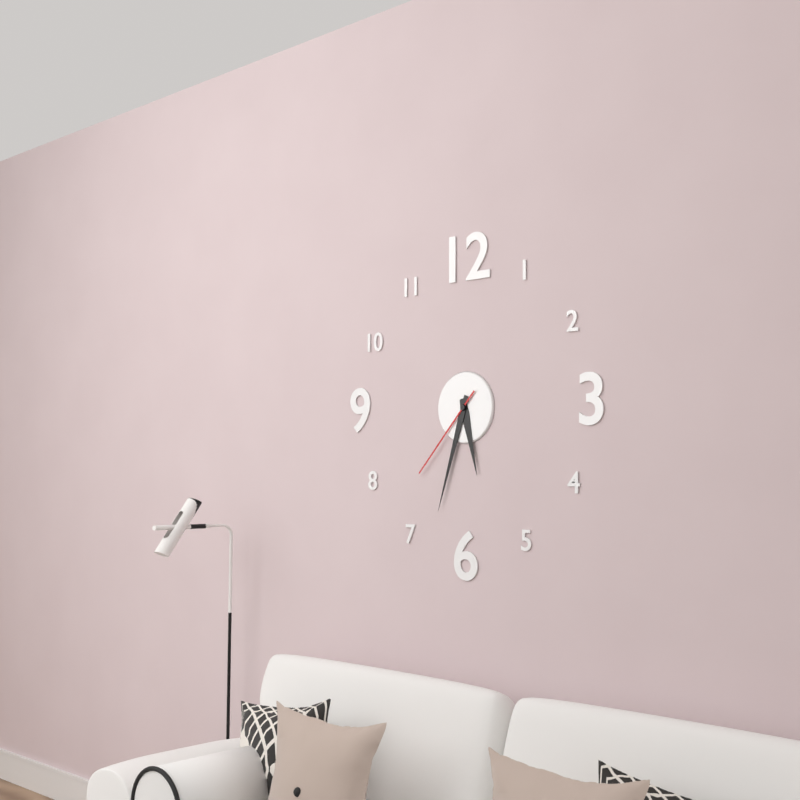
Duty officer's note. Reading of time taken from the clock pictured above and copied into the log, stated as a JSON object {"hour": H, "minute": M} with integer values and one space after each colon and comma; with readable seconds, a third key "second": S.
{"hour": 5, "minute": 33, "second": 37}
